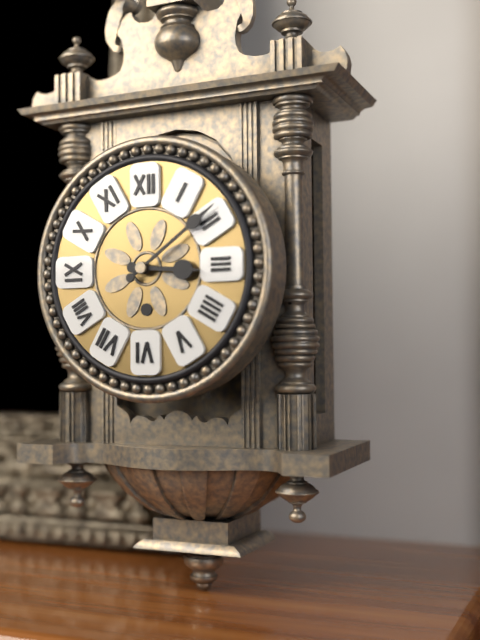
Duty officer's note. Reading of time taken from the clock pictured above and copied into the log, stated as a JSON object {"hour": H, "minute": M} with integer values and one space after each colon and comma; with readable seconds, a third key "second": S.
{"hour": 3, "minute": 9}
